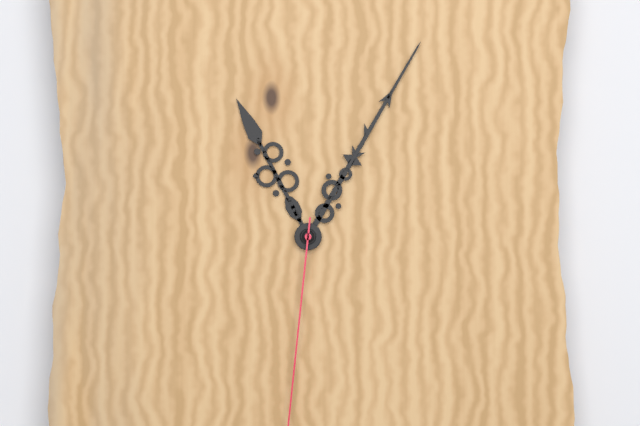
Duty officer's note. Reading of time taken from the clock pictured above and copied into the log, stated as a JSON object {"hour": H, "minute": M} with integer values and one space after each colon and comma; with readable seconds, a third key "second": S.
{"hour": 11, "minute": 5}
